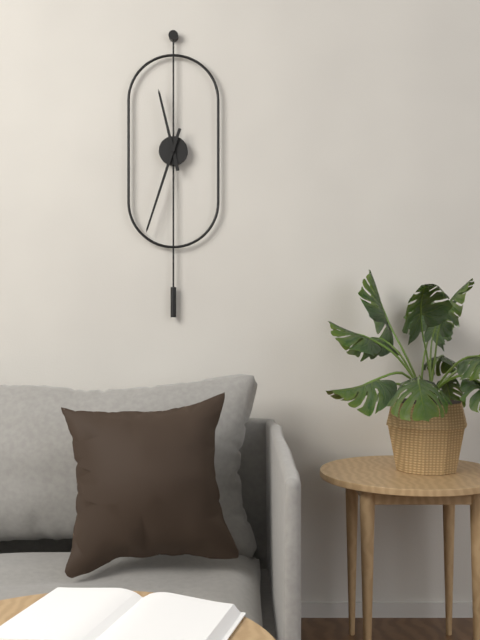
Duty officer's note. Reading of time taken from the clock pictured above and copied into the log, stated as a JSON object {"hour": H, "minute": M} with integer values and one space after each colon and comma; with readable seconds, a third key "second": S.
{"hour": 11, "minute": 33}
